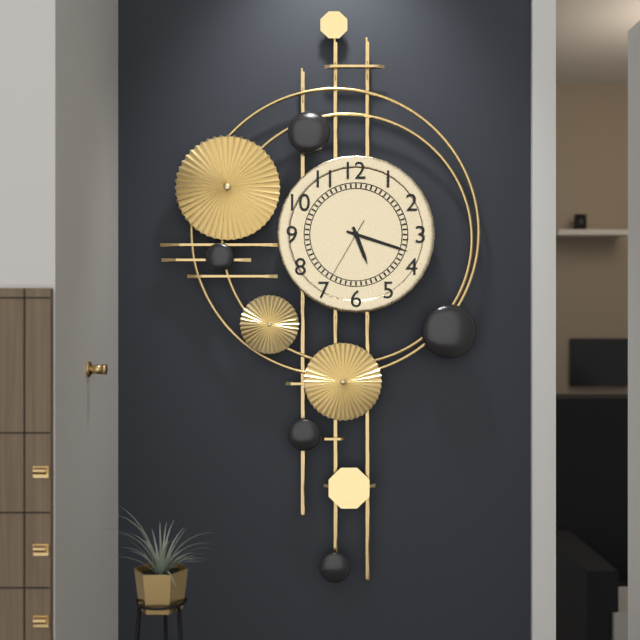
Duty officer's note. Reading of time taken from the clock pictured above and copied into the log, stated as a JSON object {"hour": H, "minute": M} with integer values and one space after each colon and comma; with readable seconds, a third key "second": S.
{"hour": 5, "minute": 18, "second": 35}
